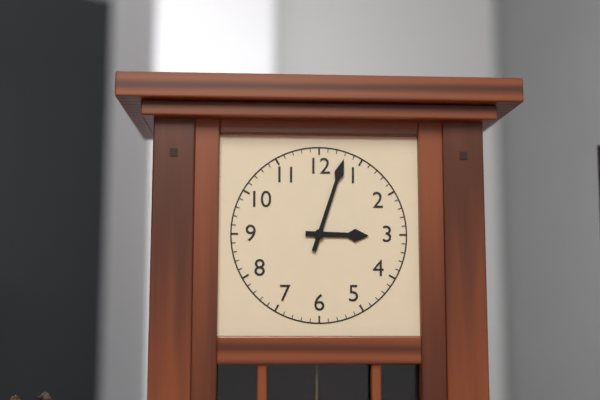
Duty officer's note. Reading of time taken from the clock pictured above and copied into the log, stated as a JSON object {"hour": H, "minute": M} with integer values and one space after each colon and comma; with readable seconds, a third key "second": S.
{"hour": 3, "minute": 3}
